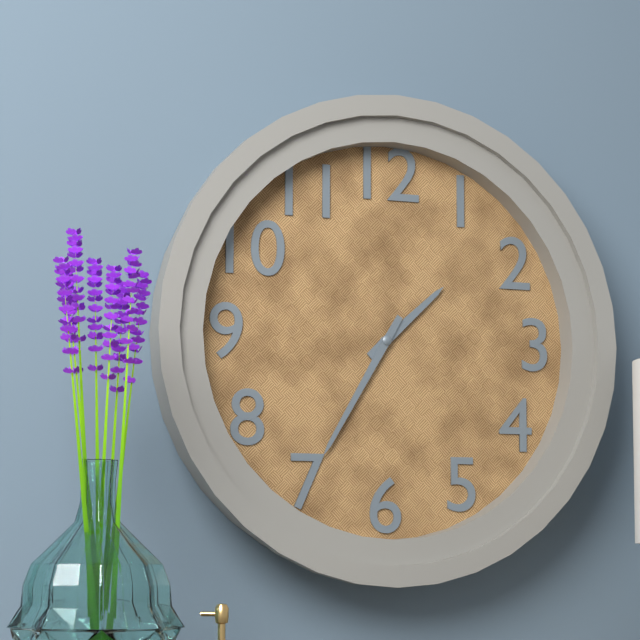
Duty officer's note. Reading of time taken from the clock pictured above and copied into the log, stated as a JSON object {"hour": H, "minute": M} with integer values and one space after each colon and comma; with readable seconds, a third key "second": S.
{"hour": 1, "minute": 35}
